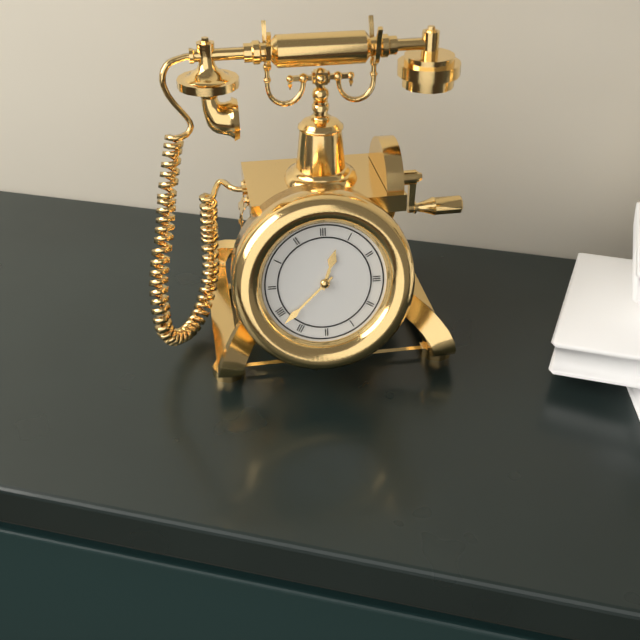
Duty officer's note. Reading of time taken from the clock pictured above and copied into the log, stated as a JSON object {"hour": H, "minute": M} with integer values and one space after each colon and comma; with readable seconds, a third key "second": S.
{"hour": 12, "minute": 38}
